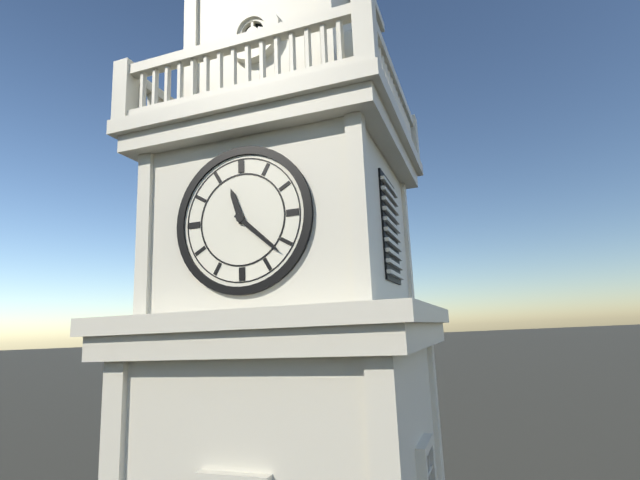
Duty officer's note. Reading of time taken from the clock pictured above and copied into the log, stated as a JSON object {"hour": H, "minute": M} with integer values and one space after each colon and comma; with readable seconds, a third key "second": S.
{"hour": 11, "minute": 22}
